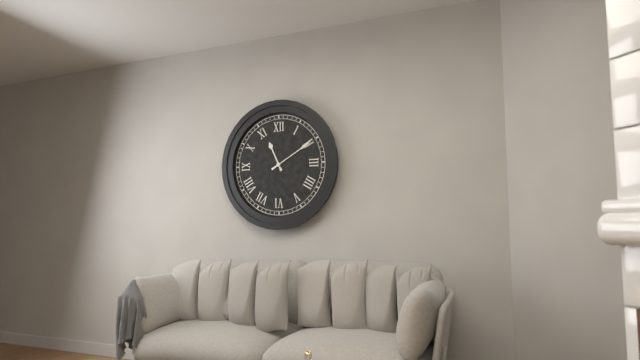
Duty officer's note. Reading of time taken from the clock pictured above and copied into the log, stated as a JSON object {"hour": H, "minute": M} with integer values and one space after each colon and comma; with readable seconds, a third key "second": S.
{"hour": 11, "minute": 10}
